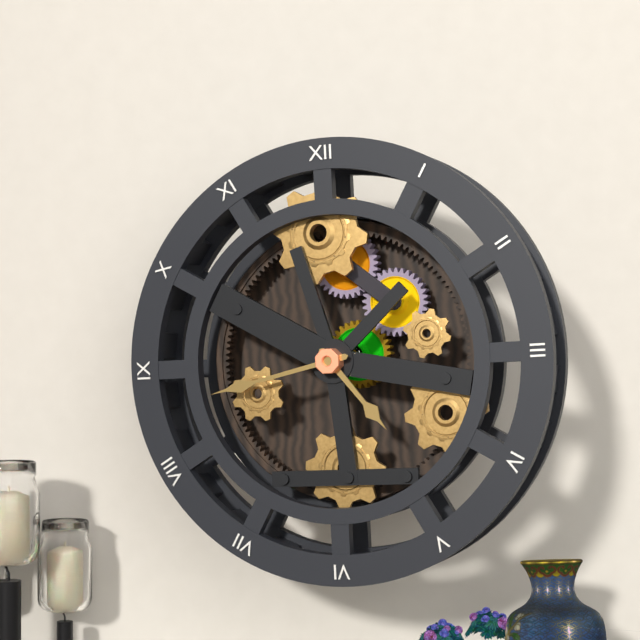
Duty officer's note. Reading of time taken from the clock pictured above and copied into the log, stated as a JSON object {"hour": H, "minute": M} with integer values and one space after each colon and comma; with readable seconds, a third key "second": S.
{"hour": 4, "minute": 43}
